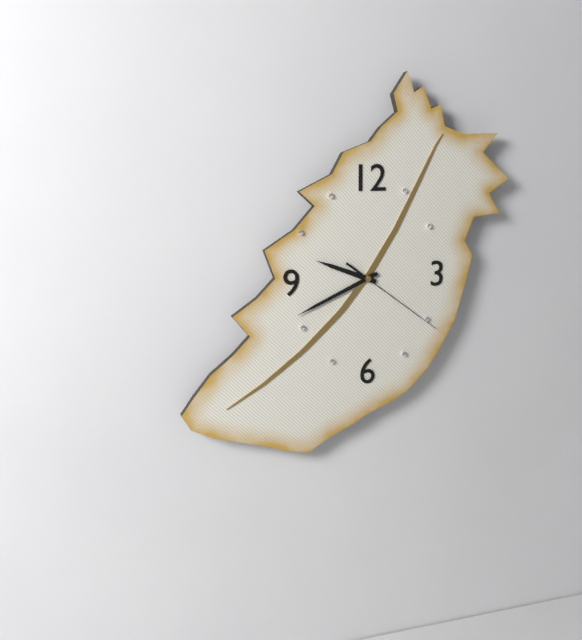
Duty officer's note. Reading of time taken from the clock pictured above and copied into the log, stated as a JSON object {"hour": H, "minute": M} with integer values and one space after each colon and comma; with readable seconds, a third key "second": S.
{"hour": 9, "minute": 41, "second": 21}
